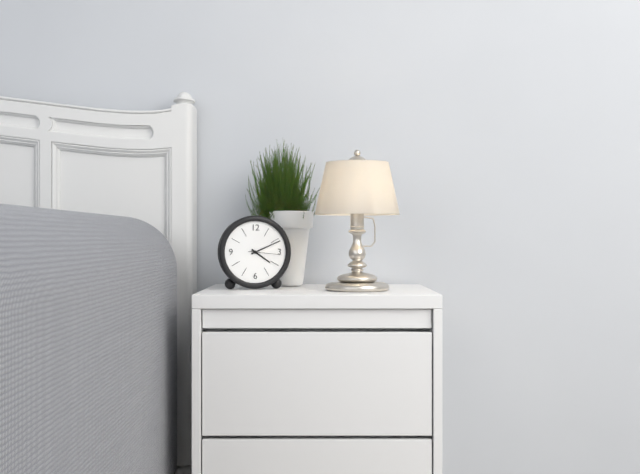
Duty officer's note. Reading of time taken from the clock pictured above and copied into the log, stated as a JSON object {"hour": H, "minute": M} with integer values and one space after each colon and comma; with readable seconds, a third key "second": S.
{"hour": 4, "minute": 11}
